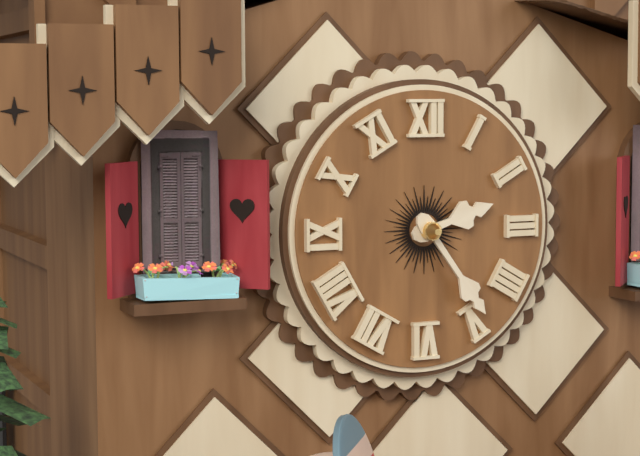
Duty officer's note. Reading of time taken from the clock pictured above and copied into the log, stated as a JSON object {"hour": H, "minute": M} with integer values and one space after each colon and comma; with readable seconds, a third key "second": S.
{"hour": 2, "minute": 24}
